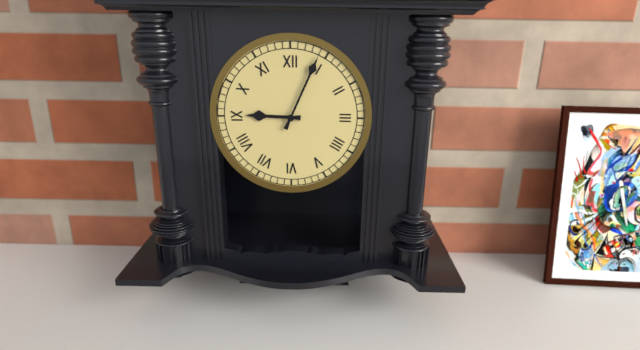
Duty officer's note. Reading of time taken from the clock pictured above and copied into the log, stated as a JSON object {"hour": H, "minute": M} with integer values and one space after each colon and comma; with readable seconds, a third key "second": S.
{"hour": 9, "minute": 4}
